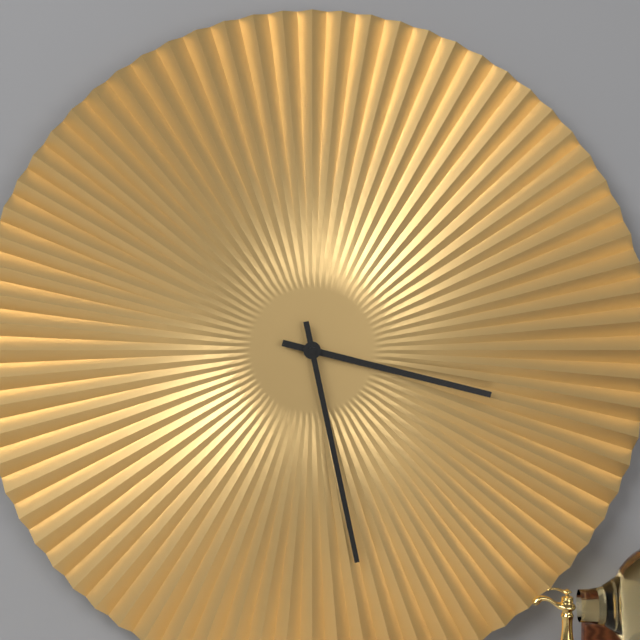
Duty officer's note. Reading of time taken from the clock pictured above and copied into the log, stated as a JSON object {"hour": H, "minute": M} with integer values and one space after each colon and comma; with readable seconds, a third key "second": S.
{"hour": 3, "minute": 28}
